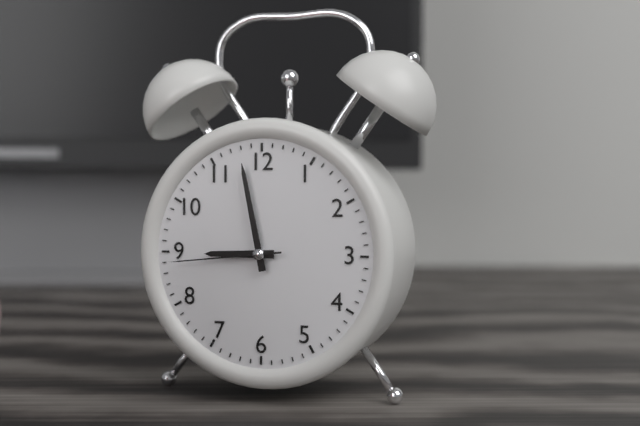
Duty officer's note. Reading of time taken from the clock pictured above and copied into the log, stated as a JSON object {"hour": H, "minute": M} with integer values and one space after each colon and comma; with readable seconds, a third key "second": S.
{"hour": 8, "minute": 58, "second": 44}
